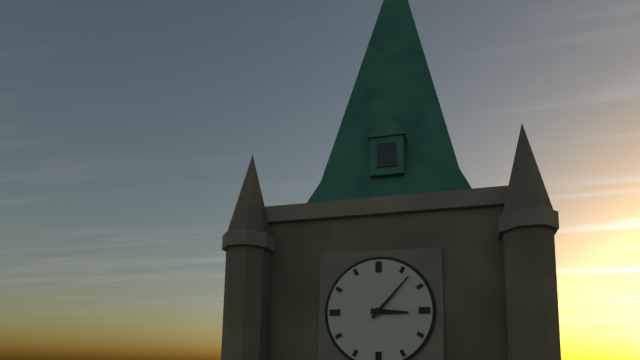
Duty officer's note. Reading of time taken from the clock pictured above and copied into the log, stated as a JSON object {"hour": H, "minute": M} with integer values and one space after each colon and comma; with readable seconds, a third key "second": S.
{"hour": 3, "minute": 7}
